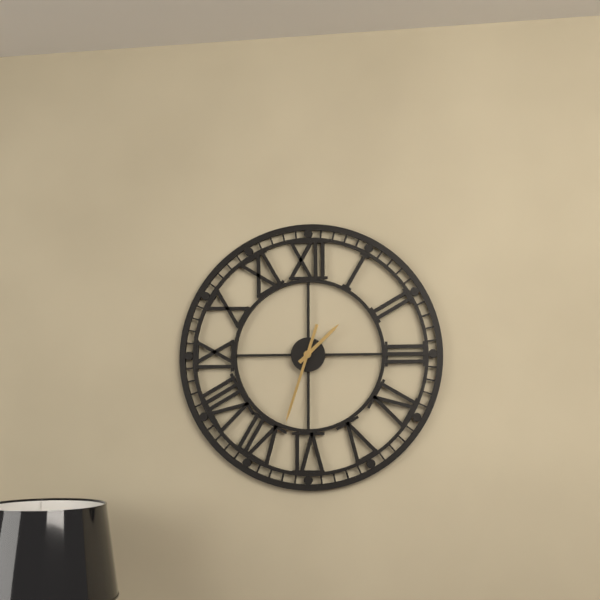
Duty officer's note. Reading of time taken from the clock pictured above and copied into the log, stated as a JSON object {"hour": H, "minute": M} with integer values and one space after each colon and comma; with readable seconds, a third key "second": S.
{"hour": 1, "minute": 33}
